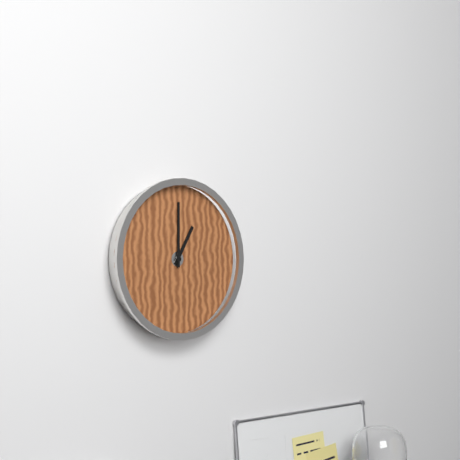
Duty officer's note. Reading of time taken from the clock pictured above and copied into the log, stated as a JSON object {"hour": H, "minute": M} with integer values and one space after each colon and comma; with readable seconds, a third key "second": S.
{"hour": 1, "minute": 0}
